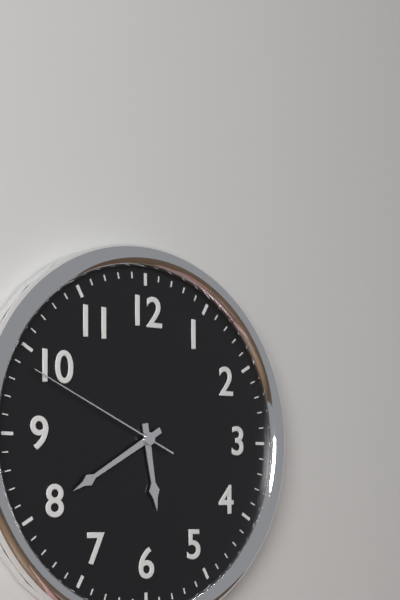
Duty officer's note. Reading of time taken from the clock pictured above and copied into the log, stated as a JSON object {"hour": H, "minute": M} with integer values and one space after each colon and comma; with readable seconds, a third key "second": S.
{"hour": 5, "minute": 40, "second": 49}
